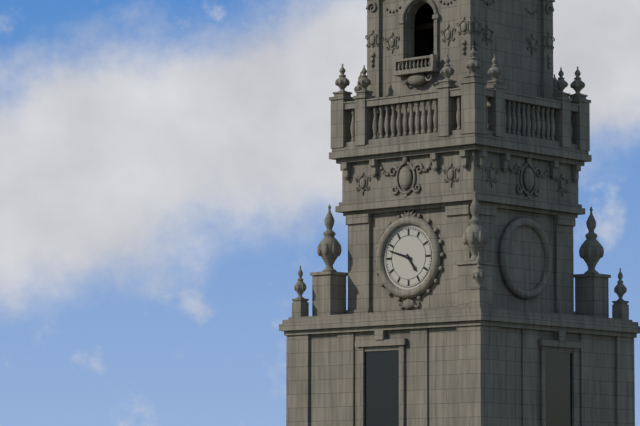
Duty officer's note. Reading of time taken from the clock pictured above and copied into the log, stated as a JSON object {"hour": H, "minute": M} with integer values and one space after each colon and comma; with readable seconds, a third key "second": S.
{"hour": 4, "minute": 48}
